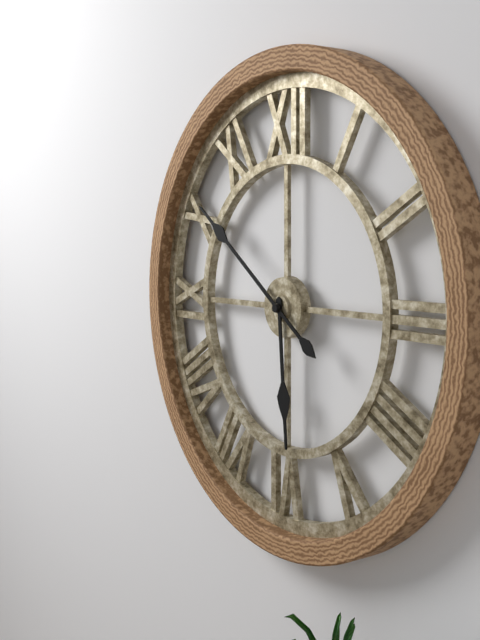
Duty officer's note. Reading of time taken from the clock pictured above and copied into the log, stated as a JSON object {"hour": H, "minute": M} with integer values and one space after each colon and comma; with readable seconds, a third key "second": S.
{"hour": 5, "minute": 51}
